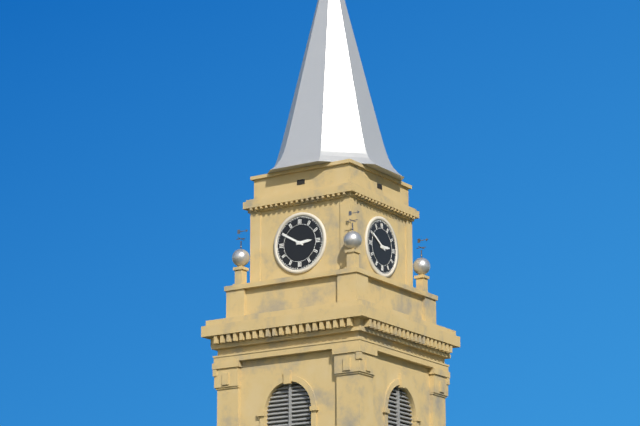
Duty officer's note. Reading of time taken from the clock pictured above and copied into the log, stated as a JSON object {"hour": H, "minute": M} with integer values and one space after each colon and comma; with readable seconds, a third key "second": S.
{"hour": 2, "minute": 50}
